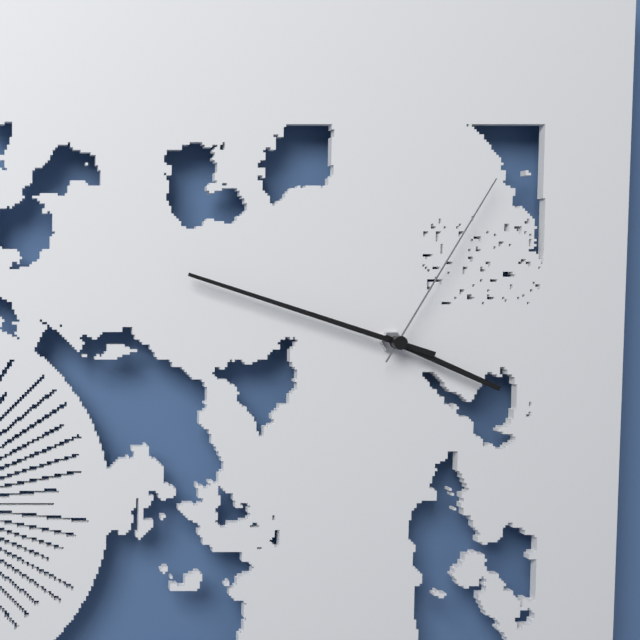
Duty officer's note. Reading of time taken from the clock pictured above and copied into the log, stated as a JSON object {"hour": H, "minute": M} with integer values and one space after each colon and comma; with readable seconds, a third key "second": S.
{"hour": 3, "minute": 48, "second": 5}
